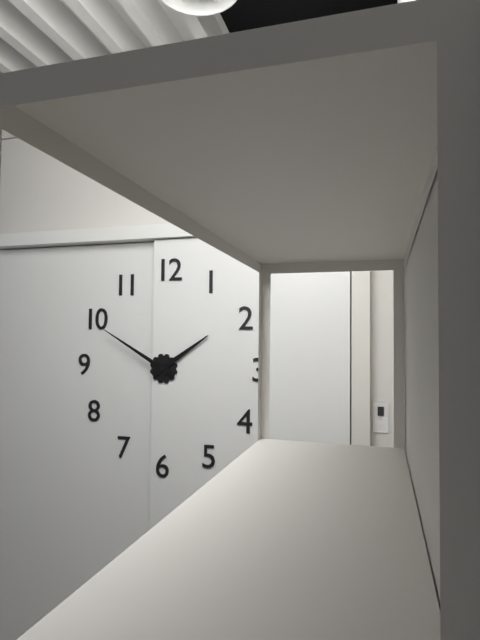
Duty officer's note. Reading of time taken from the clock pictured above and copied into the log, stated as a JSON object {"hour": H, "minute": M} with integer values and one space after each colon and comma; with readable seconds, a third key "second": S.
{"hour": 1, "minute": 50}
